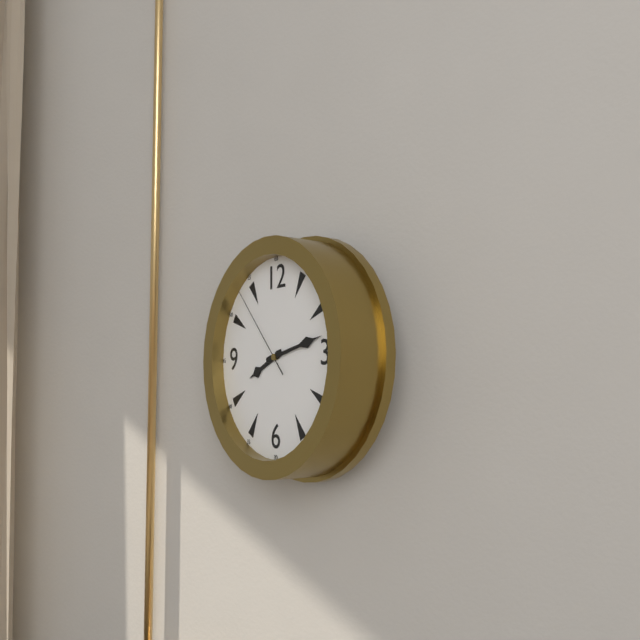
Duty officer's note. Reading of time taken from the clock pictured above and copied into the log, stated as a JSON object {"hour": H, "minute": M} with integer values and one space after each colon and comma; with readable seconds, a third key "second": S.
{"hour": 8, "minute": 13, "second": 53}
